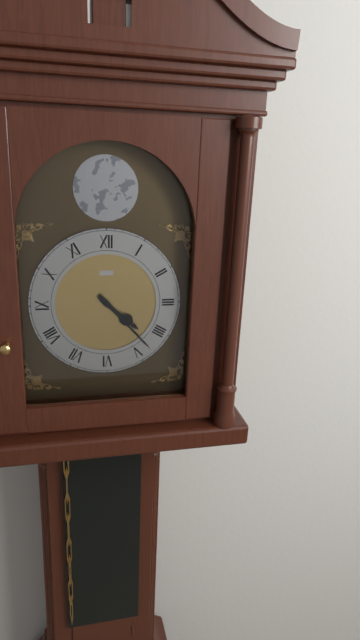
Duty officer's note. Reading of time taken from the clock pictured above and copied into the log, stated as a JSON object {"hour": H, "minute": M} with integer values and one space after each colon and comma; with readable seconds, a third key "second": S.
{"hour": 4, "minute": 23}
